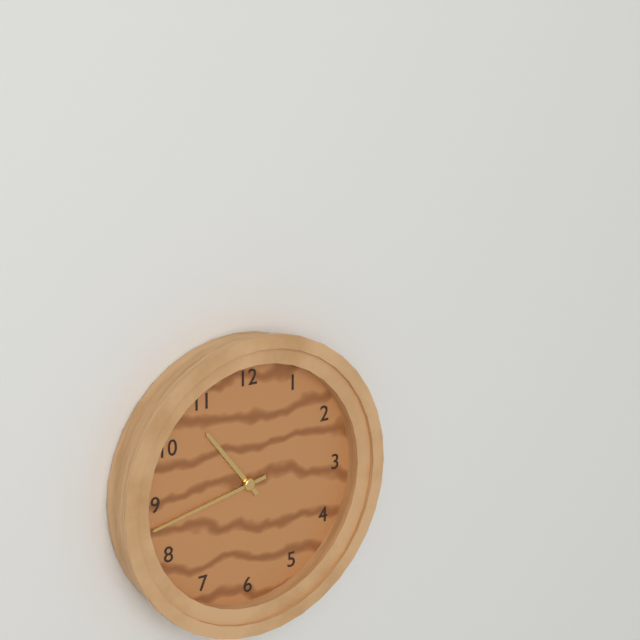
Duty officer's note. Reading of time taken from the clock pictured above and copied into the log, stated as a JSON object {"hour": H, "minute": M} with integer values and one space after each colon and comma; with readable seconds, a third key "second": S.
{"hour": 10, "minute": 43}
